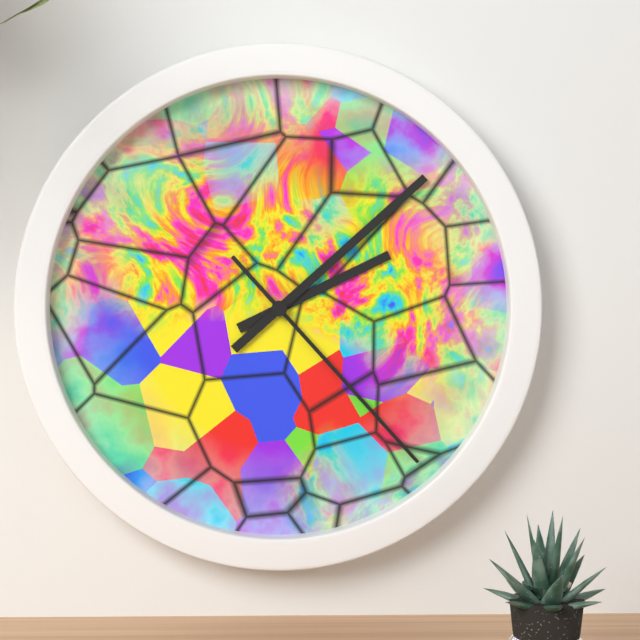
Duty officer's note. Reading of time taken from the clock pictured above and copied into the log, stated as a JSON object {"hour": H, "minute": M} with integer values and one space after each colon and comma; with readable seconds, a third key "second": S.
{"hour": 2, "minute": 8, "second": 23}
